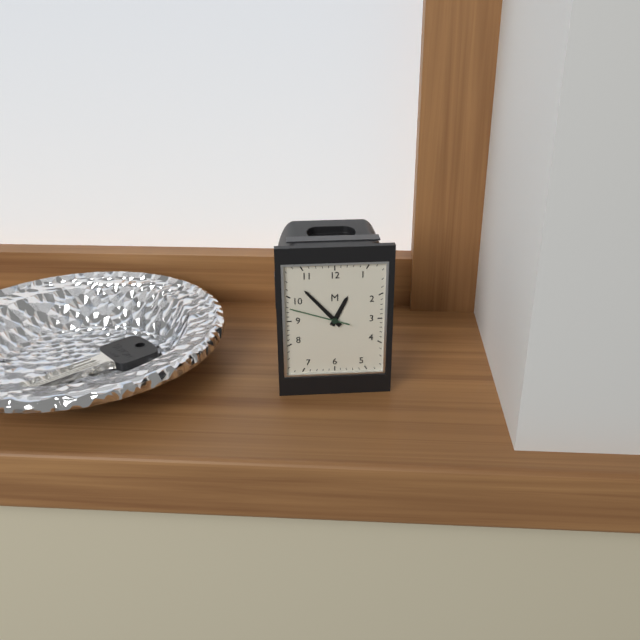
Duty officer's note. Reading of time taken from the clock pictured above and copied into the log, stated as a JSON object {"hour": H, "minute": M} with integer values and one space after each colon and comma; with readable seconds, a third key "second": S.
{"hour": 12, "minute": 53, "second": 48}
